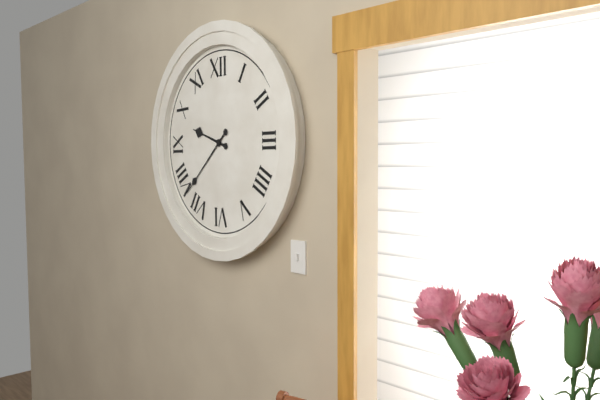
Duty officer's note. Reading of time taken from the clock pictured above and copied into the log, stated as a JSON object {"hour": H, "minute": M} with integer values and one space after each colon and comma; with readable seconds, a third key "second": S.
{"hour": 9, "minute": 38}
